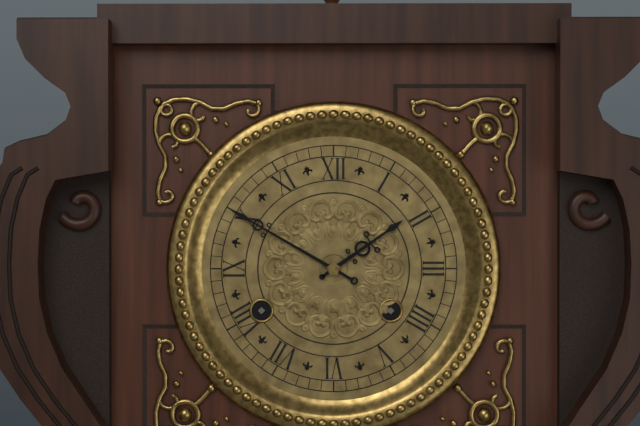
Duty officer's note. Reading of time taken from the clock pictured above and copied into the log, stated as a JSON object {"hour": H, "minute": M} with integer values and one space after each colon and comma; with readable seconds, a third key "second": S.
{"hour": 1, "minute": 50}
